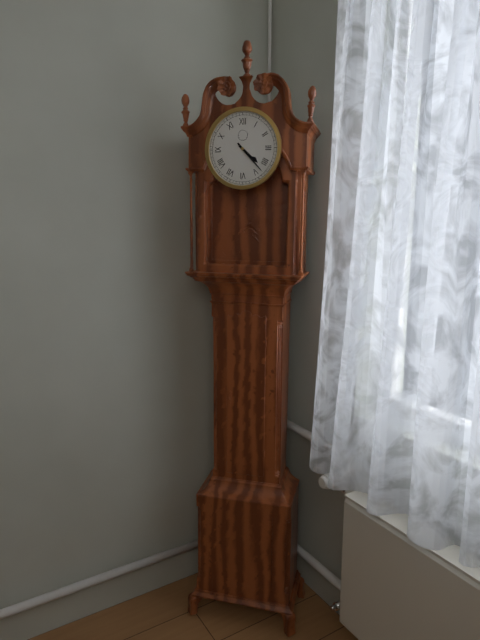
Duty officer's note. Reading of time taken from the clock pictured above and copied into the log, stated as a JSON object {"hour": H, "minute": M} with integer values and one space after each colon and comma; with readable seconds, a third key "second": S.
{"hour": 4, "minute": 23}
